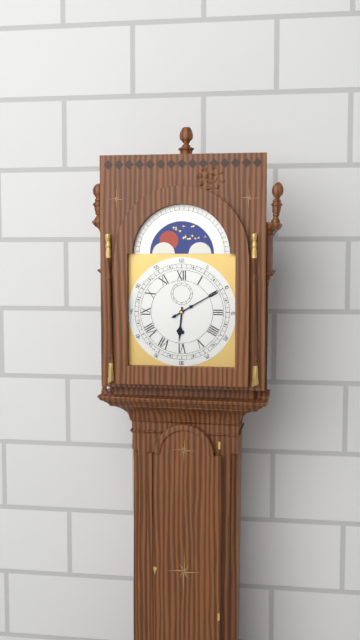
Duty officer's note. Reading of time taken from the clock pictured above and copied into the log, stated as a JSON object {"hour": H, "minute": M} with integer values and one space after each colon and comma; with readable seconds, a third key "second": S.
{"hour": 6, "minute": 10}
